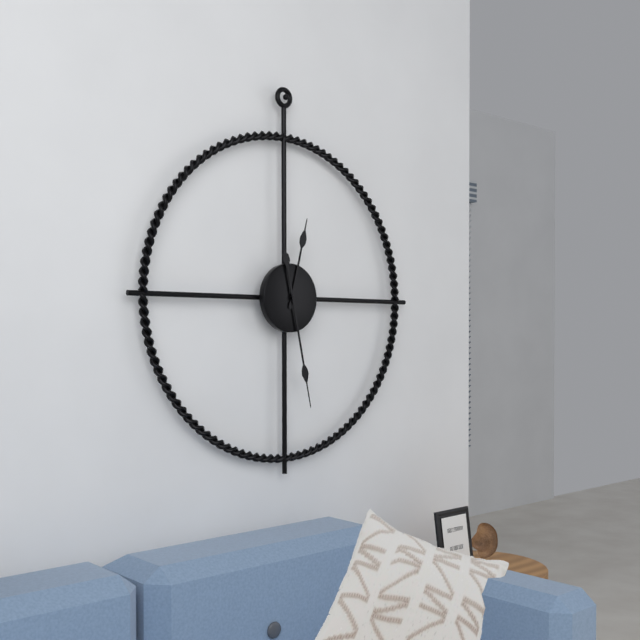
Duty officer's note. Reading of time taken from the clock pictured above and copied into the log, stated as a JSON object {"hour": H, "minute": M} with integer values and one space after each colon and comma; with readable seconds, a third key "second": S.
{"hour": 12, "minute": 28}
